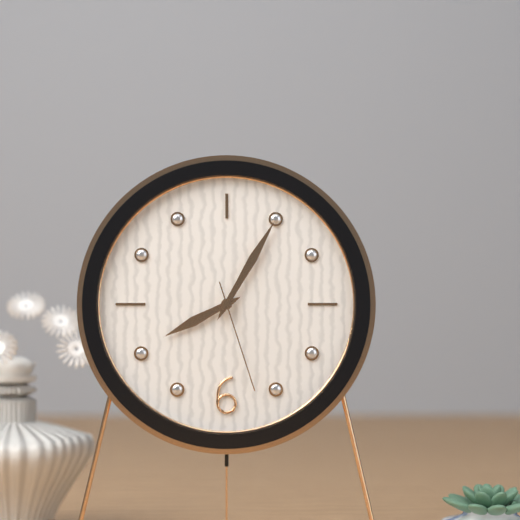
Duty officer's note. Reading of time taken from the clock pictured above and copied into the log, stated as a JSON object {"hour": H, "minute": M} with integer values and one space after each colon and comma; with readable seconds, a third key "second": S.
{"hour": 8, "minute": 5, "second": 27}
